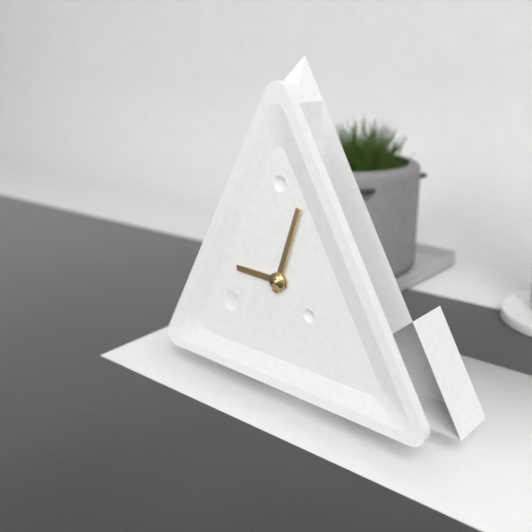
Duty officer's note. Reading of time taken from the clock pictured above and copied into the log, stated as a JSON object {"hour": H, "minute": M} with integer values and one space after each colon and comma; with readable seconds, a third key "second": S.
{"hour": 9, "minute": 3}
